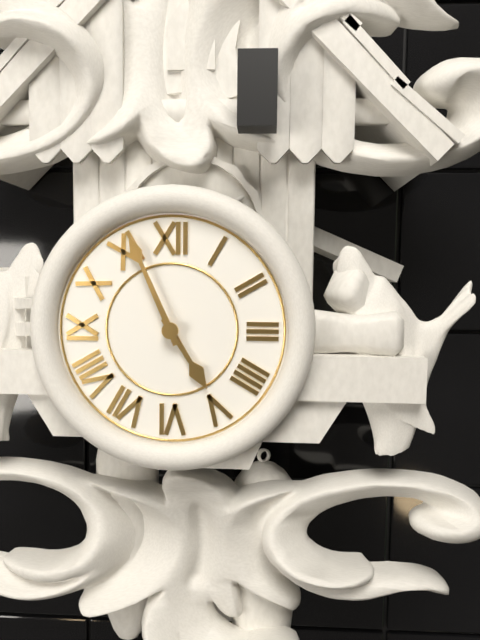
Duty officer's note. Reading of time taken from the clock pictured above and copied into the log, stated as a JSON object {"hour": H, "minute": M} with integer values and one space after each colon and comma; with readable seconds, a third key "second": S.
{"hour": 4, "minute": 56}
